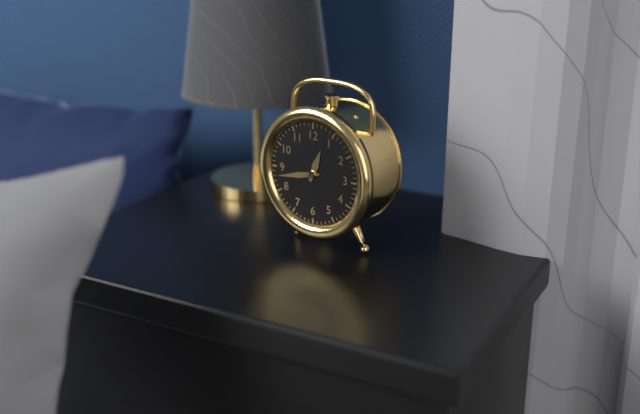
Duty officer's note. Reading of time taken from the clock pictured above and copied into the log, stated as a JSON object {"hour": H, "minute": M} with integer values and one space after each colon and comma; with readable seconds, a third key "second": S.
{"hour": 12, "minute": 43}
